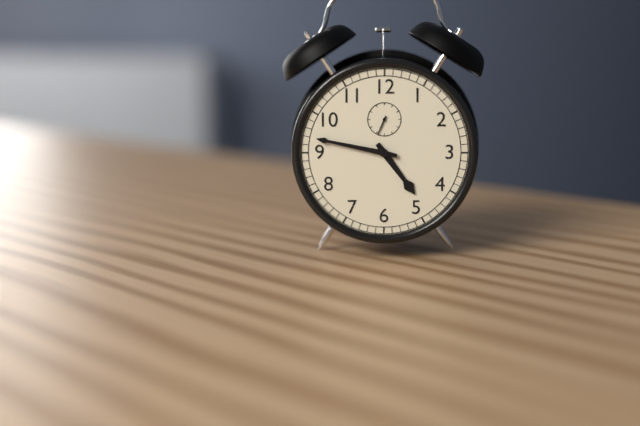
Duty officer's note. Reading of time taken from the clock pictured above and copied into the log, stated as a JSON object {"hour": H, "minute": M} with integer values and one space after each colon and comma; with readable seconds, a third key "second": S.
{"hour": 4, "minute": 47}
